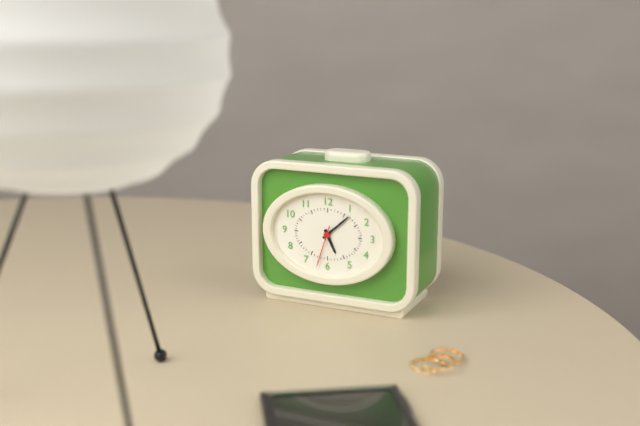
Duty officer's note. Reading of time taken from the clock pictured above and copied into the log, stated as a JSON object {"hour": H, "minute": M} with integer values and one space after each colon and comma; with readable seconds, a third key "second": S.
{"hour": 5, "minute": 8}
